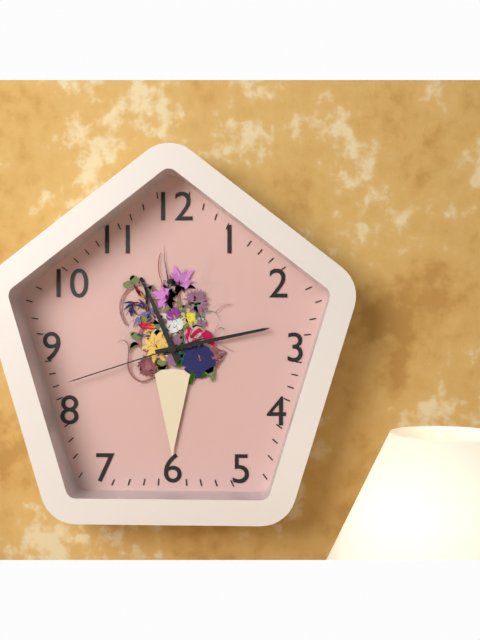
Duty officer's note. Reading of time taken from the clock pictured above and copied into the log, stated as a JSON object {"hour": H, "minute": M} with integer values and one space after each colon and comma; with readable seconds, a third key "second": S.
{"hour": 11, "minute": 13, "second": 42}
